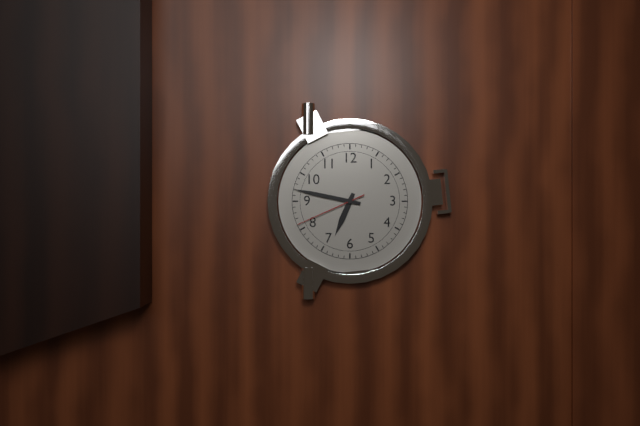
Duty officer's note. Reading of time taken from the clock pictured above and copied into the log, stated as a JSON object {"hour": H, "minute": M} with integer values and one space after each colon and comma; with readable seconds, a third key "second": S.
{"hour": 6, "minute": 47, "second": 41}
